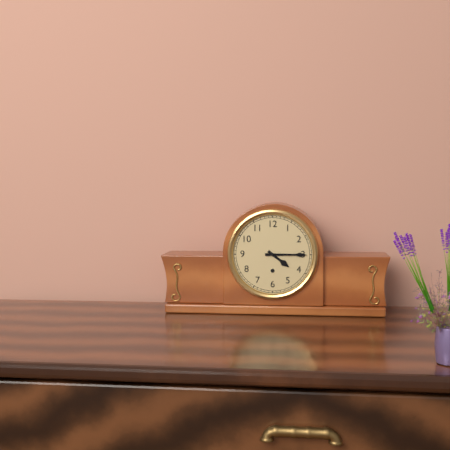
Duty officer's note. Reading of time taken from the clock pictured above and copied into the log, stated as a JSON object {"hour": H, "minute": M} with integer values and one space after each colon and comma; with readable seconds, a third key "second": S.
{"hour": 4, "minute": 15}
